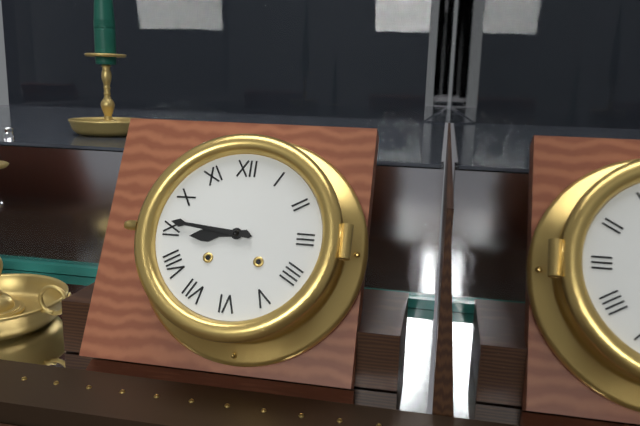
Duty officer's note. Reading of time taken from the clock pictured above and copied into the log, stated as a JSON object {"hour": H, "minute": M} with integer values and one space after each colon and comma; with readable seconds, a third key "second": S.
{"hour": 8, "minute": 46}
